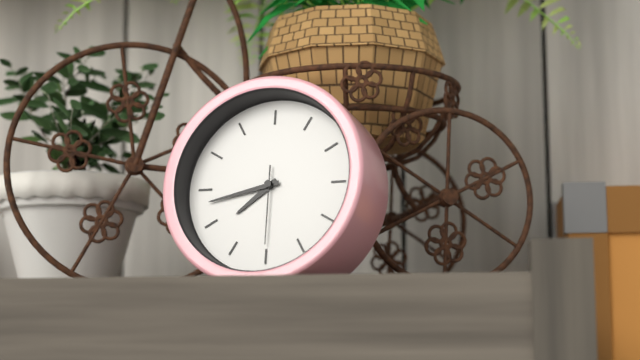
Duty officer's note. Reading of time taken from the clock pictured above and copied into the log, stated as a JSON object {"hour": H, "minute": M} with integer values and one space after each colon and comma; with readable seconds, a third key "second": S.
{"hour": 7, "minute": 43, "second": 30}
